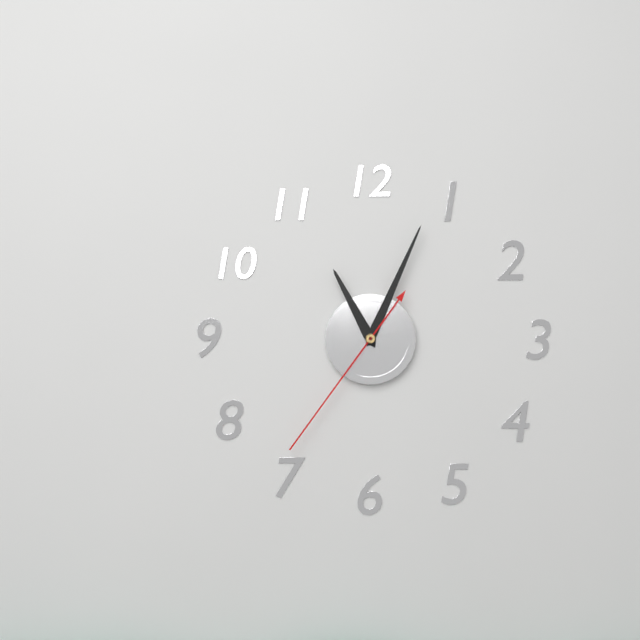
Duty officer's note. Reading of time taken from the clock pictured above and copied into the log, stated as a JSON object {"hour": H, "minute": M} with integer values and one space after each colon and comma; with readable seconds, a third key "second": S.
{"hour": 11, "minute": 4, "second": 36}
